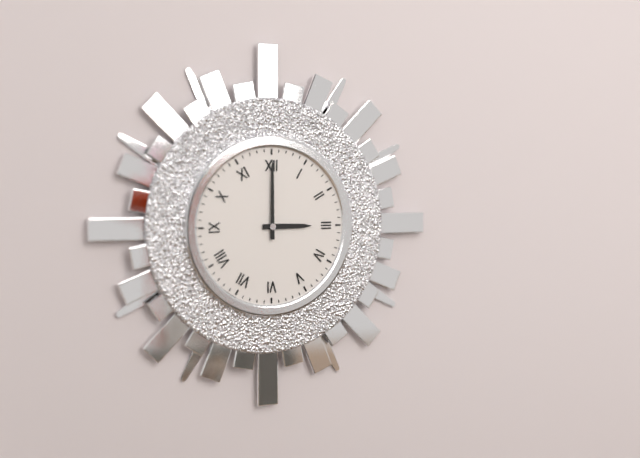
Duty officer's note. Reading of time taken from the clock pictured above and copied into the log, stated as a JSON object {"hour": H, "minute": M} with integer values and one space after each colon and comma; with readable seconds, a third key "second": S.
{"hour": 3, "minute": 0}
